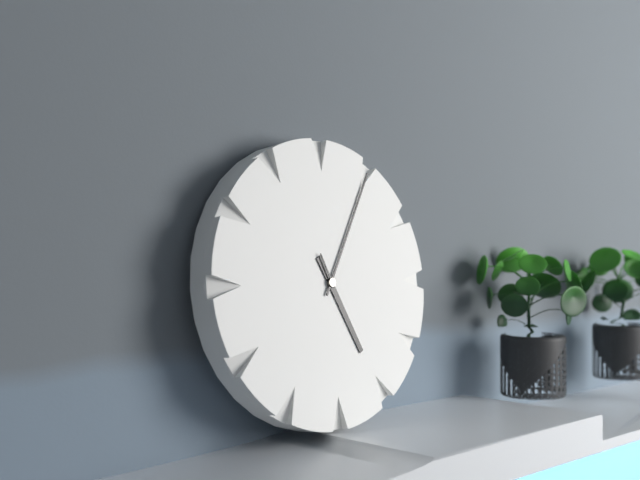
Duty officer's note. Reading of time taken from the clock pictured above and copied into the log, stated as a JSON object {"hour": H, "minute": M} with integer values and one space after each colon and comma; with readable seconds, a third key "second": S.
{"hour": 5, "minute": 5}
